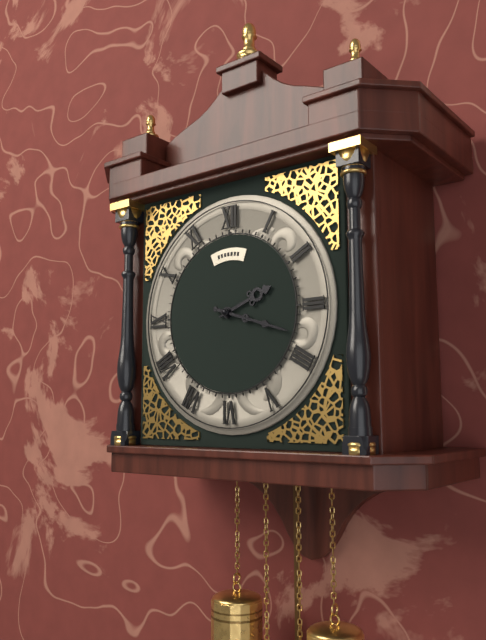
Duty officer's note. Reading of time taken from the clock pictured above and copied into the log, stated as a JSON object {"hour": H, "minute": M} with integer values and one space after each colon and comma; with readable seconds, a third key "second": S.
{"hour": 2, "minute": 18}
